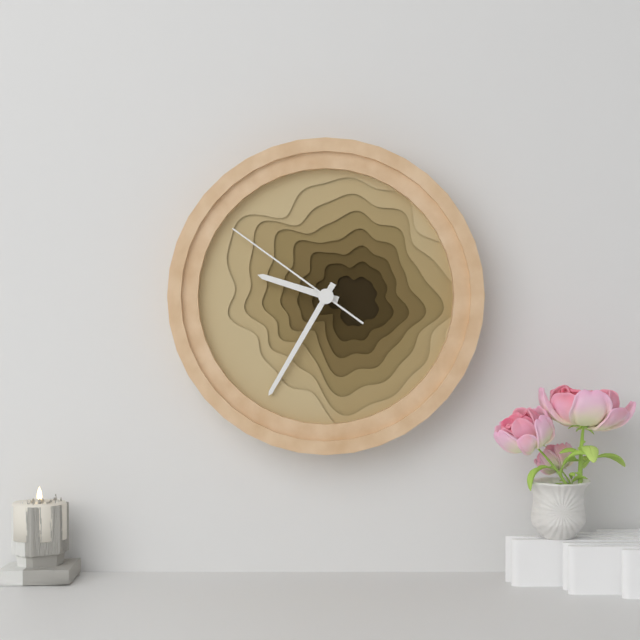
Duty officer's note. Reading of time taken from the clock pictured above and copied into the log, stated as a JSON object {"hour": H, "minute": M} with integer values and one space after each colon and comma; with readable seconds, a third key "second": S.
{"hour": 9, "minute": 35, "second": 51}
